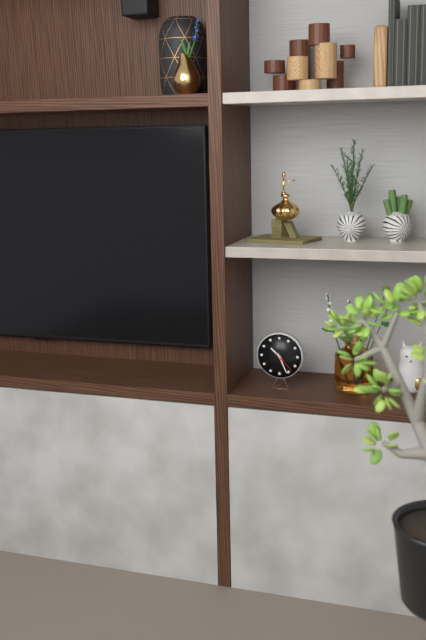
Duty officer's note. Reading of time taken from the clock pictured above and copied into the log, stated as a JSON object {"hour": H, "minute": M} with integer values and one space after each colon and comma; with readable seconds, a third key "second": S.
{"hour": 10, "minute": 26}
